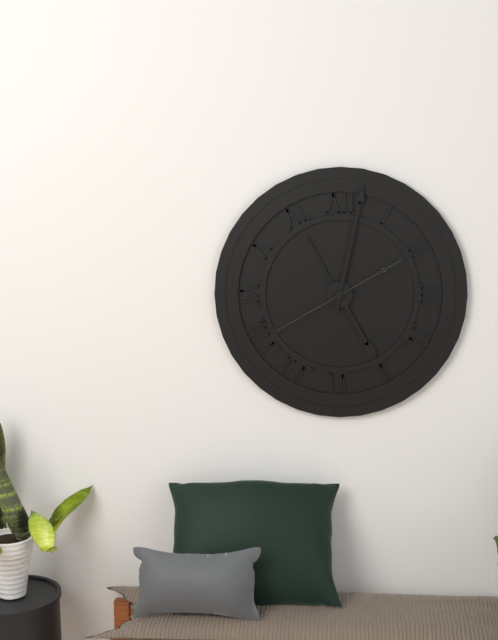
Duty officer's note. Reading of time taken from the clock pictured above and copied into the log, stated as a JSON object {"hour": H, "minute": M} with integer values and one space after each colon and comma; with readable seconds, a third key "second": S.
{"hour": 5, "minute": 2, "second": 40}
